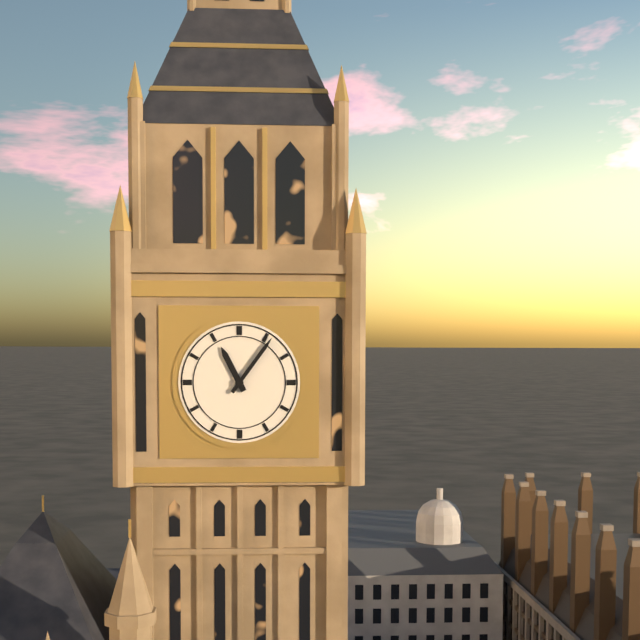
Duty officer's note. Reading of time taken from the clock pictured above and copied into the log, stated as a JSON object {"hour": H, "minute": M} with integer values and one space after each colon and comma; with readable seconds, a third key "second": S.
{"hour": 11, "minute": 6}
